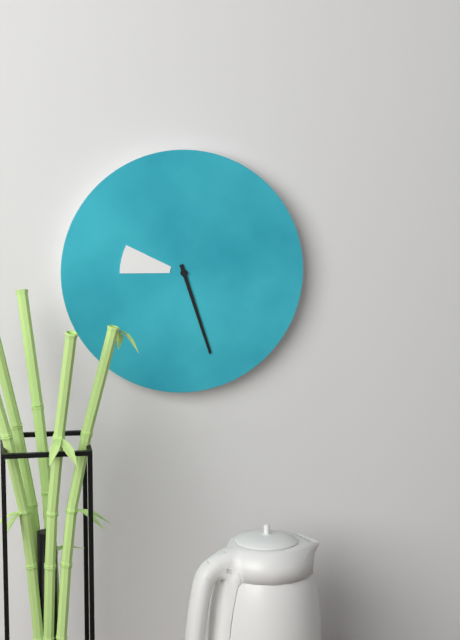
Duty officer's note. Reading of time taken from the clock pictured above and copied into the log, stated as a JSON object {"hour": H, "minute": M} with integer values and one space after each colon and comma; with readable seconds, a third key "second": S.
{"hour": 9, "minute": 27}
